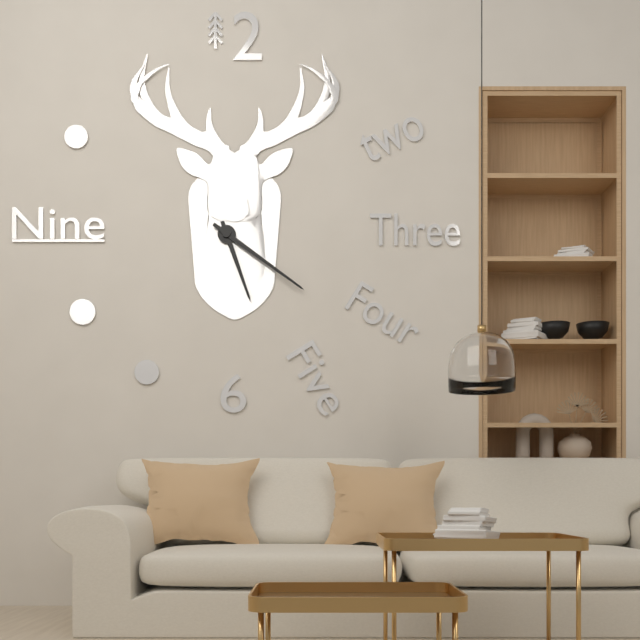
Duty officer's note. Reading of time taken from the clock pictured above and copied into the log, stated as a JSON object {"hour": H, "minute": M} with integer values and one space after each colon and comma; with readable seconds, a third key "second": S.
{"hour": 5, "minute": 21}
